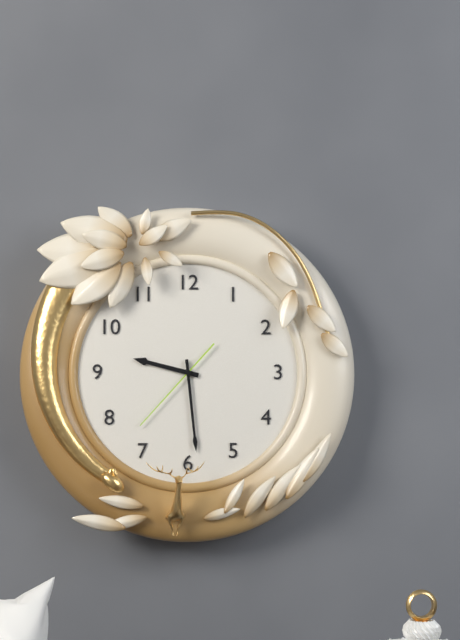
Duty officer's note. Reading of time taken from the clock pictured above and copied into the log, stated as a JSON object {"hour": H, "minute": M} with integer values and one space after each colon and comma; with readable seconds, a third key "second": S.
{"hour": 9, "minute": 29, "second": 37}
